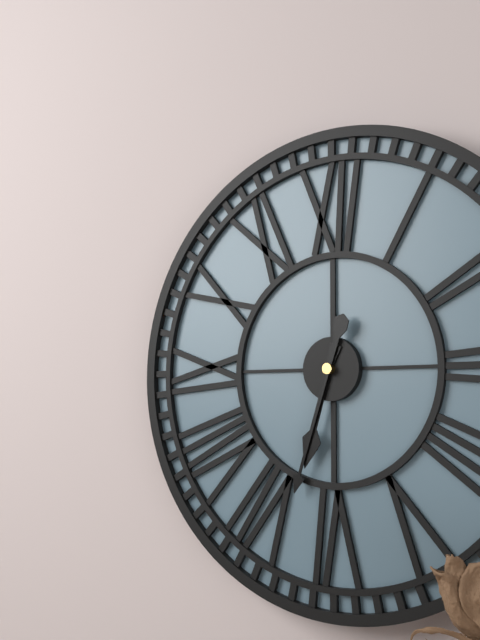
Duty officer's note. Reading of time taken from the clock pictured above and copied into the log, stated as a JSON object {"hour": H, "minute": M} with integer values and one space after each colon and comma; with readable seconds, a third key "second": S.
{"hour": 6, "minute": 33}
